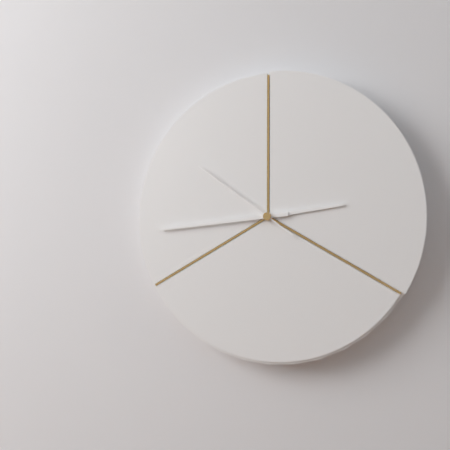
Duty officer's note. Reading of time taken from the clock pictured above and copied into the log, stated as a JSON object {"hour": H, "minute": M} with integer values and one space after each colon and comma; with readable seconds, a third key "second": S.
{"hour": 2, "minute": 44, "second": 51}
